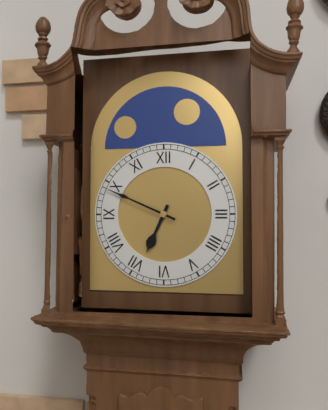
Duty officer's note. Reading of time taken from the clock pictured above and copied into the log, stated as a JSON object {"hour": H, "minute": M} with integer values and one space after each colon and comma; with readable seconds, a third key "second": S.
{"hour": 6, "minute": 49}
